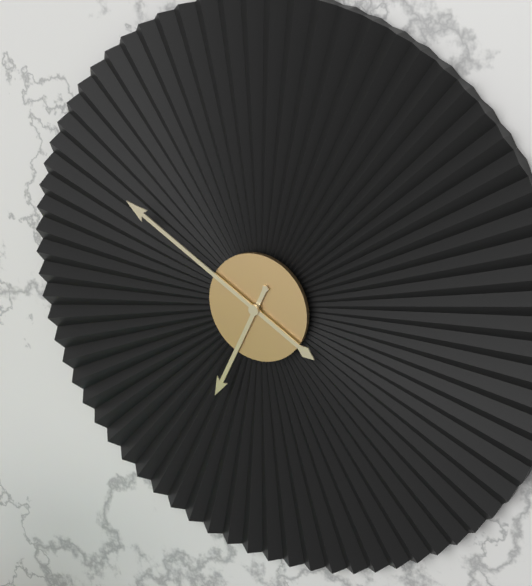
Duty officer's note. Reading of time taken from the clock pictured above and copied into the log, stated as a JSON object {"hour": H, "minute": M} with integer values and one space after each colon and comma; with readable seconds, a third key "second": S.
{"hour": 6, "minute": 50}
